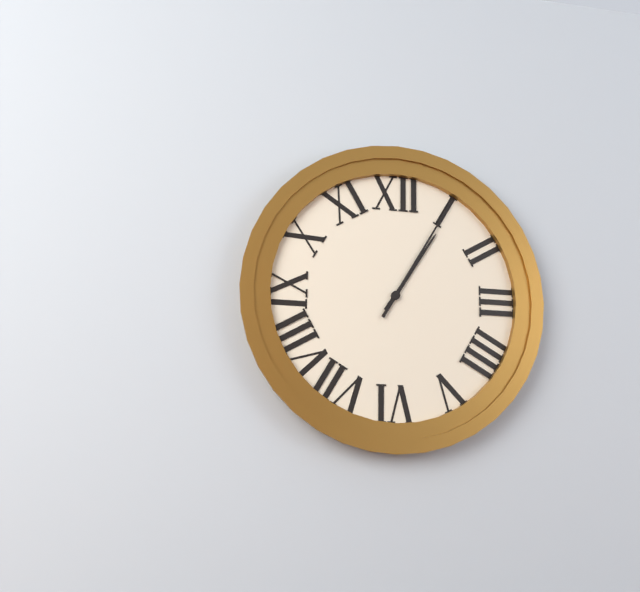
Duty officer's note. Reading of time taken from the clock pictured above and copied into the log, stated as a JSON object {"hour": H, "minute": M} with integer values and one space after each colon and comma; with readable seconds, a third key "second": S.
{"hour": 1, "minute": 5}
